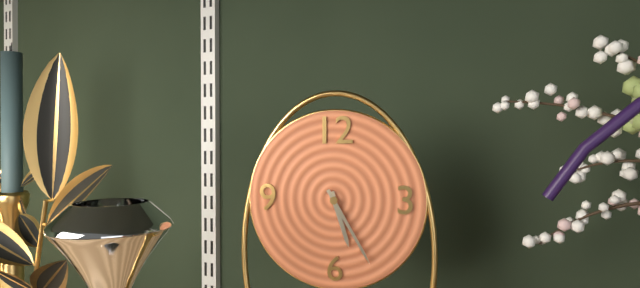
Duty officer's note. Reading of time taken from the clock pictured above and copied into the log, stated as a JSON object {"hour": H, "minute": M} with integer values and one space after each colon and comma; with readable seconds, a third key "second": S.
{"hour": 5, "minute": 25}
